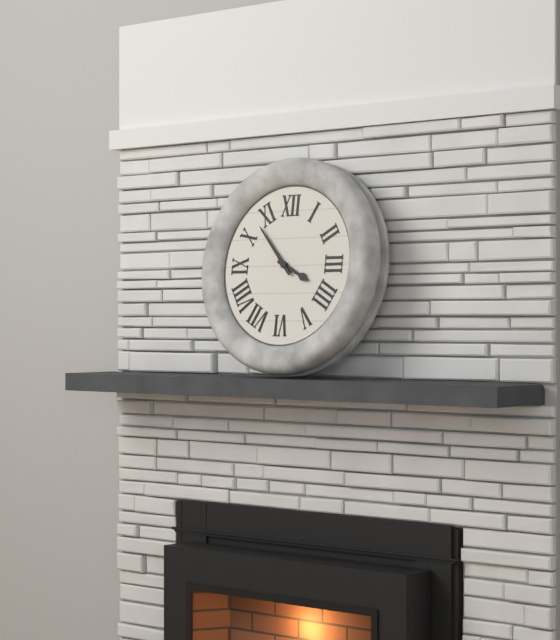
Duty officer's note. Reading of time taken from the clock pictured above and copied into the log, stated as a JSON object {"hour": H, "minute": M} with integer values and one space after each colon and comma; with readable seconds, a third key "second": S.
{"hour": 3, "minute": 53}
